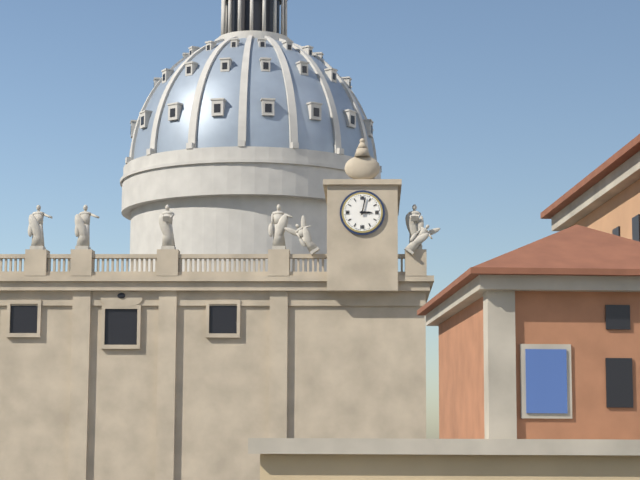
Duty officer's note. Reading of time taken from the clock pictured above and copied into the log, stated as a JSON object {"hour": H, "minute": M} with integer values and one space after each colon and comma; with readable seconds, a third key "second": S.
{"hour": 3, "minute": 2}
